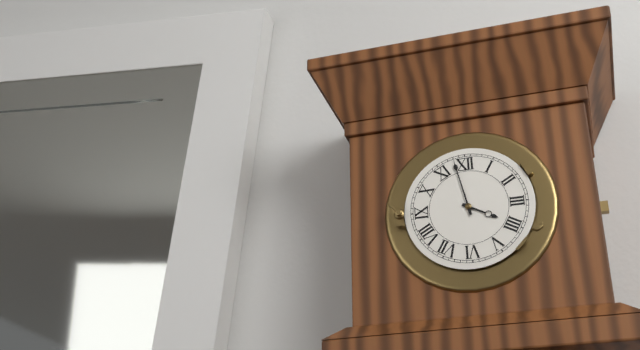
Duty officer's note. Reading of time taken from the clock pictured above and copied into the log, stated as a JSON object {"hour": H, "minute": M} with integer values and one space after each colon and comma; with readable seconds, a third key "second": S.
{"hour": 3, "minute": 58}
